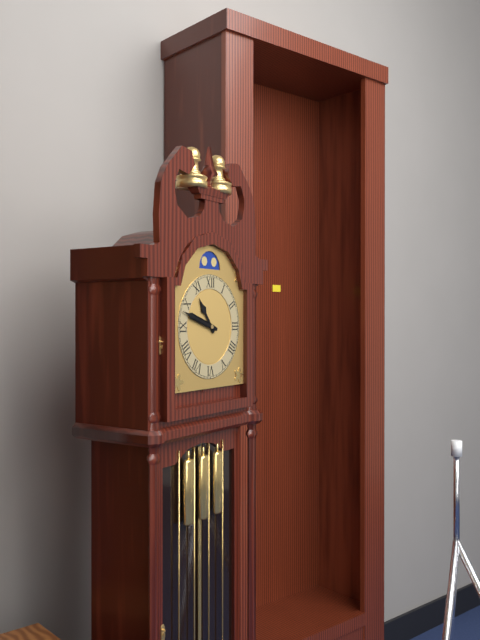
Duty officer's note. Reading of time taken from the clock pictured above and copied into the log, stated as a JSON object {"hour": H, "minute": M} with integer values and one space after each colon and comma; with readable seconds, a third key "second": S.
{"hour": 10, "minute": 48}
